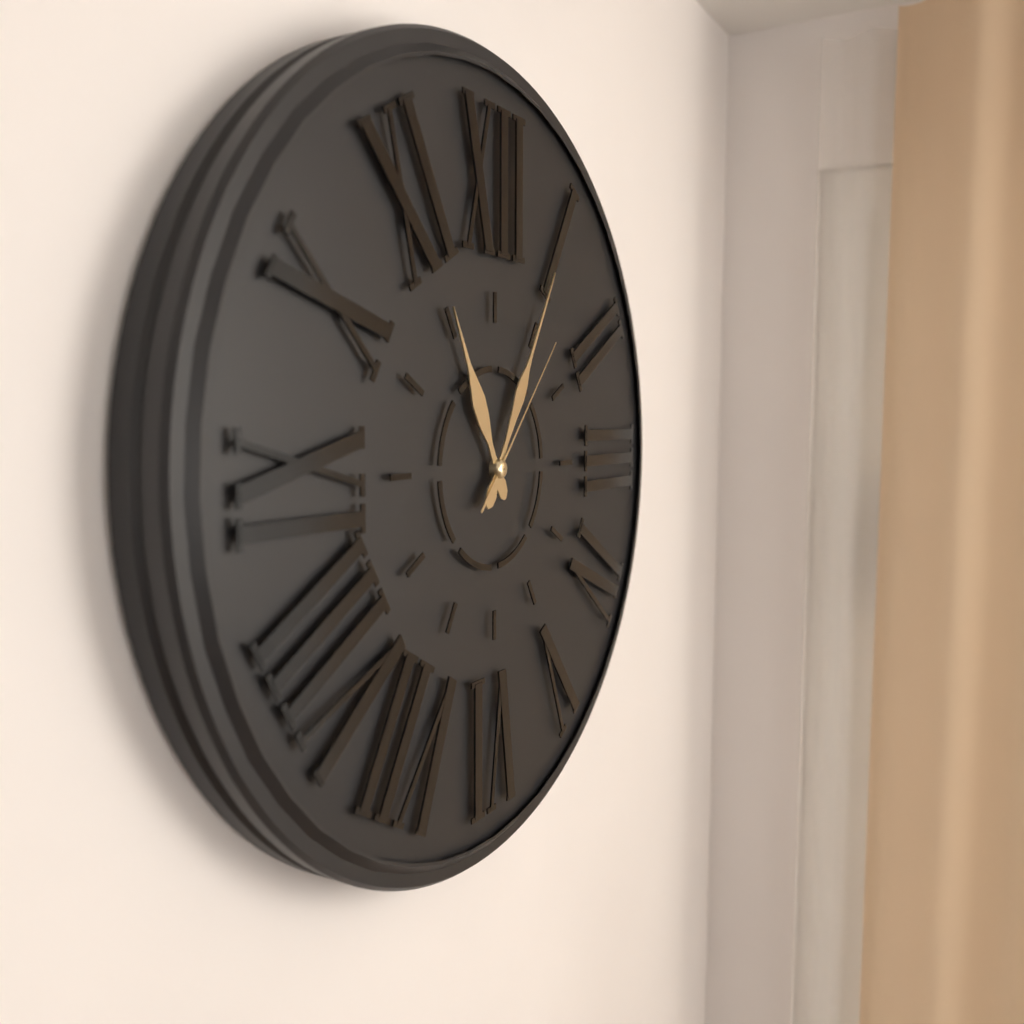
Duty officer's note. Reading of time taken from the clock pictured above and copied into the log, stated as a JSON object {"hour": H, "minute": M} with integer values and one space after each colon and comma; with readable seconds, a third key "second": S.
{"hour": 11, "minute": 5, "second": 7}
